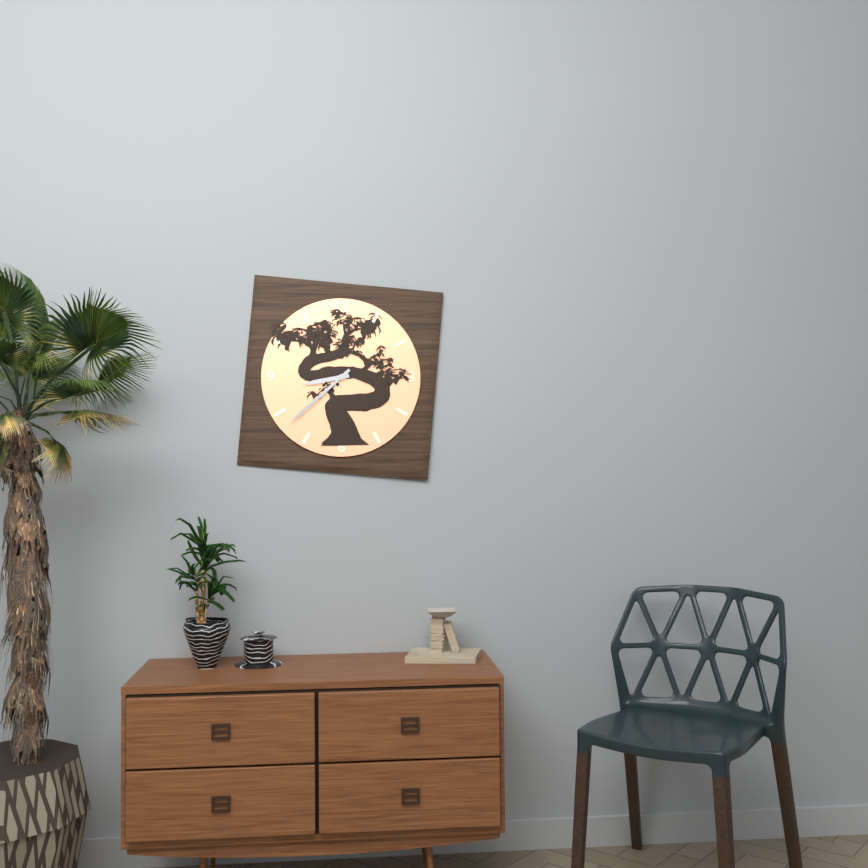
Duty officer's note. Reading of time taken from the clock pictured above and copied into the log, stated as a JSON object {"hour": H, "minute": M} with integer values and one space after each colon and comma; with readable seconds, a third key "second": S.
{"hour": 8, "minute": 38}
